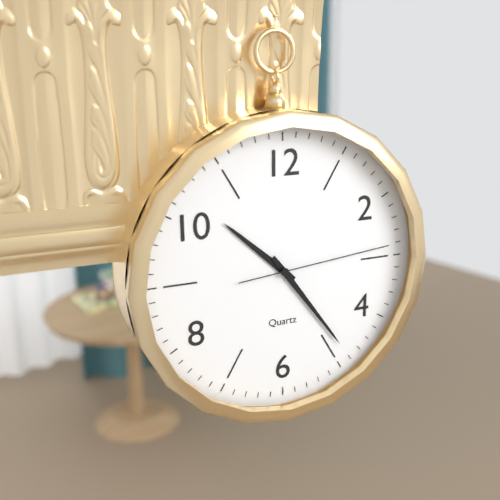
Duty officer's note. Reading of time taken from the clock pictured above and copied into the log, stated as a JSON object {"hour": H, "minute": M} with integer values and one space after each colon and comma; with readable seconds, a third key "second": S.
{"hour": 10, "minute": 24, "second": 14}
